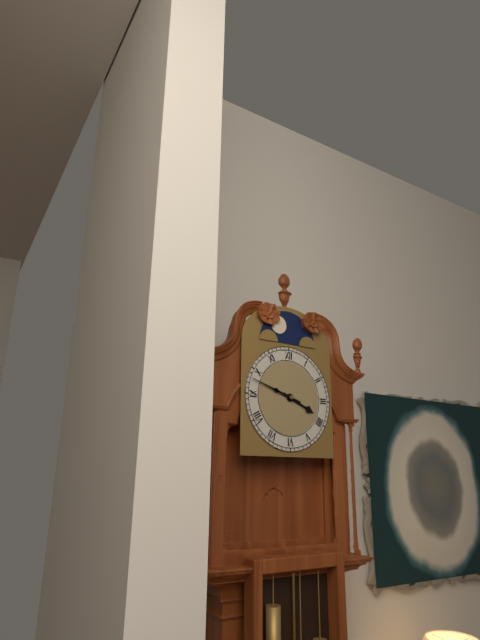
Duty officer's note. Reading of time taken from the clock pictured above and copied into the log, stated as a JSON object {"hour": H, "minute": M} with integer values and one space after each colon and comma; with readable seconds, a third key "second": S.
{"hour": 3, "minute": 48}
